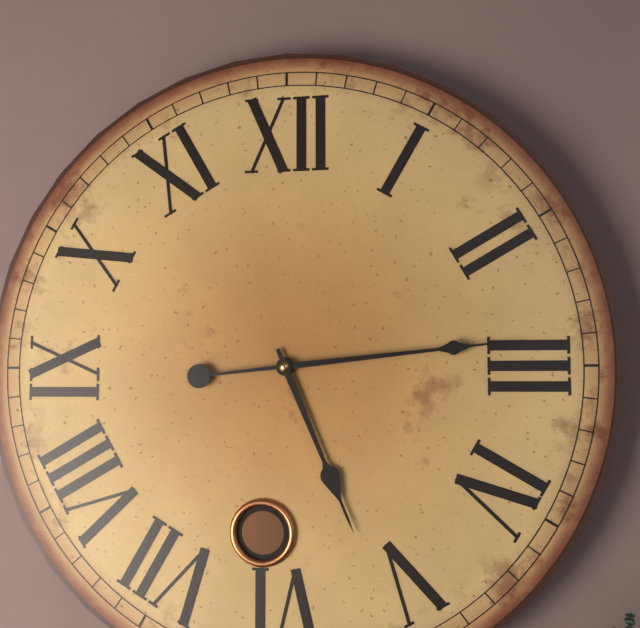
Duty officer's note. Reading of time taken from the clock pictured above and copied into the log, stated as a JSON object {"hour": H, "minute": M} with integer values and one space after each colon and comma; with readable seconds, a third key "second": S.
{"hour": 5, "minute": 14}
